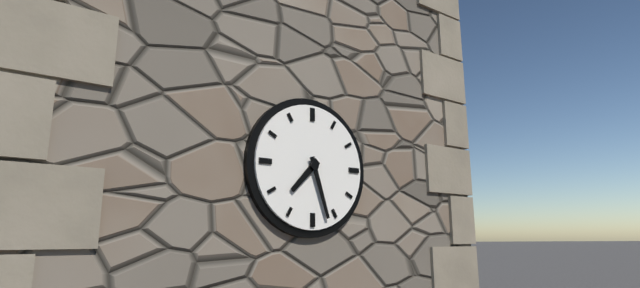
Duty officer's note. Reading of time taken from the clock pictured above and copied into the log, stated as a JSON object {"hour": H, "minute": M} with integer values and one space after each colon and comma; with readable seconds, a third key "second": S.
{"hour": 7, "minute": 27}
